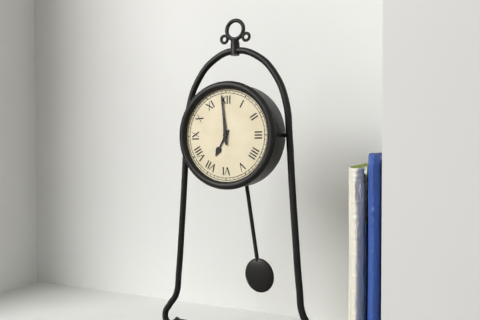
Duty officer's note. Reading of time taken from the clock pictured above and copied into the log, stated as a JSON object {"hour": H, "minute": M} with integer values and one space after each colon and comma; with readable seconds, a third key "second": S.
{"hour": 6, "minute": 59}
